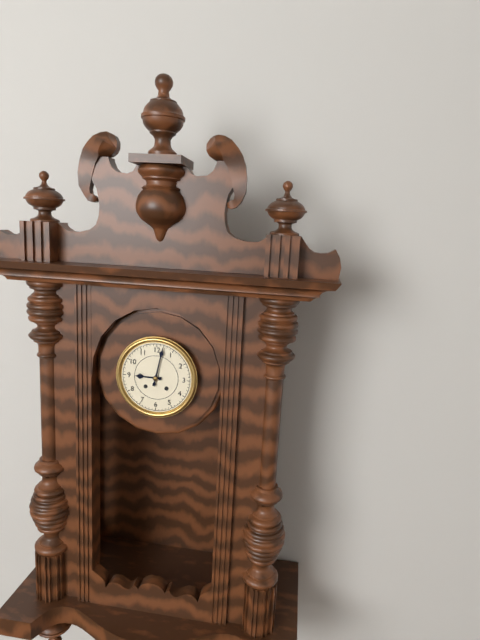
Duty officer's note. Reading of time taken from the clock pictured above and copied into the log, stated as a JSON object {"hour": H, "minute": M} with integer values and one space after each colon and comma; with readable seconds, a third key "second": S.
{"hour": 9, "minute": 2}
